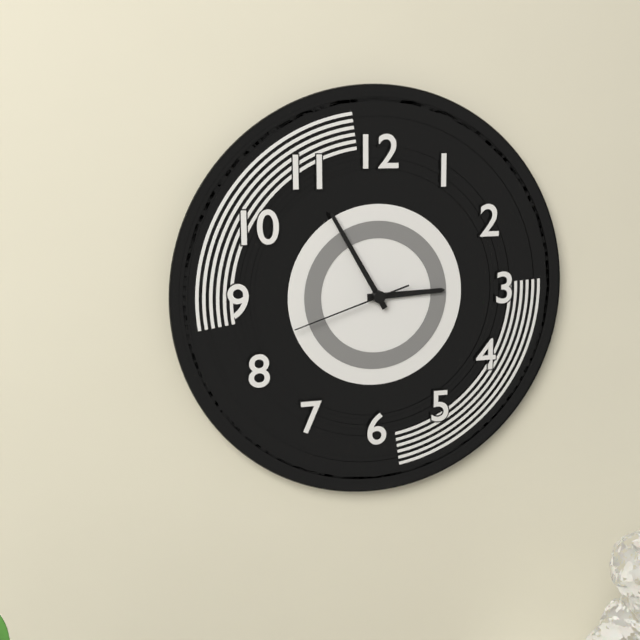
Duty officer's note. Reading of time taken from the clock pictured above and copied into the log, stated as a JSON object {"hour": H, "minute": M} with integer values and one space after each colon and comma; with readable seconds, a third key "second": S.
{"hour": 2, "minute": 55, "second": 42}
